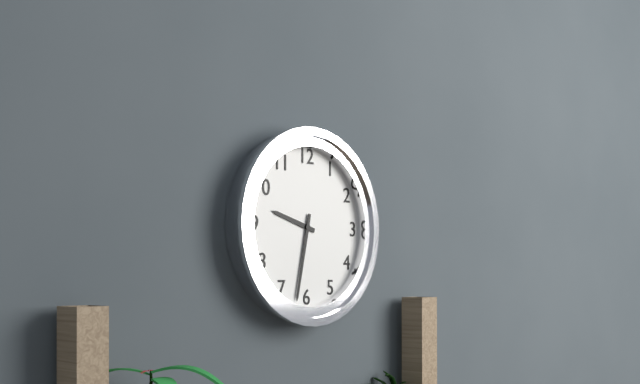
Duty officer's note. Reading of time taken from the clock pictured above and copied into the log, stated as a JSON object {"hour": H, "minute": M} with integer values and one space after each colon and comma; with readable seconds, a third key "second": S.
{"hour": 9, "minute": 32}
